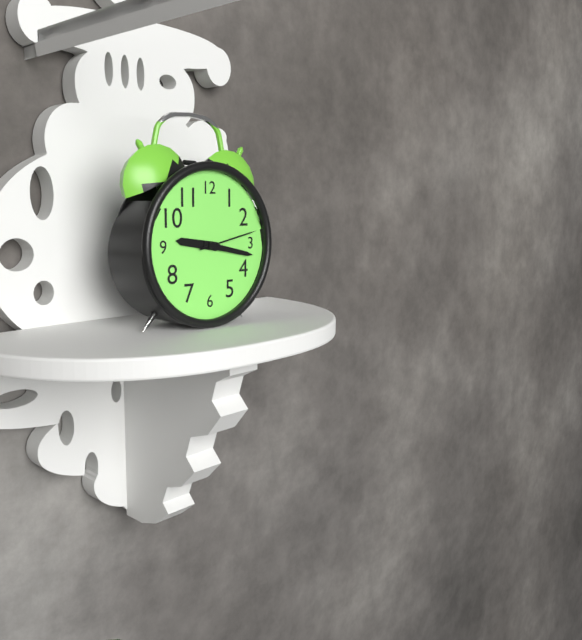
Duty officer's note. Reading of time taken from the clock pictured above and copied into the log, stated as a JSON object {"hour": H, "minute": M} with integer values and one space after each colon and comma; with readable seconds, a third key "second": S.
{"hour": 9, "minute": 17, "second": 13}
